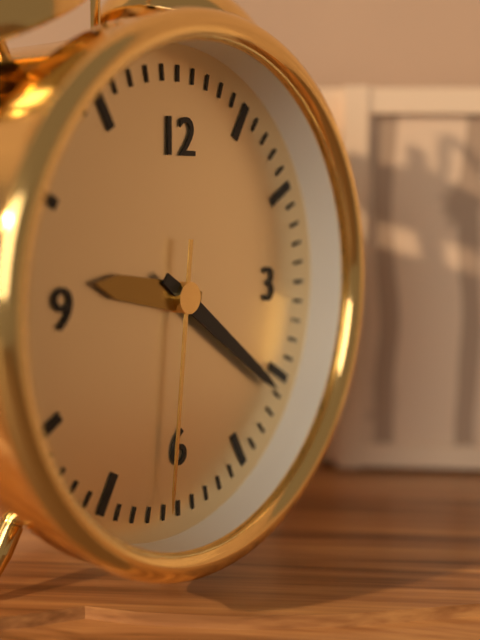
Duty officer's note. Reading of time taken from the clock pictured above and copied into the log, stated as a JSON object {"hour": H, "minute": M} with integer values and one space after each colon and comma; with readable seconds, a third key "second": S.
{"hour": 9, "minute": 21, "second": 31}
